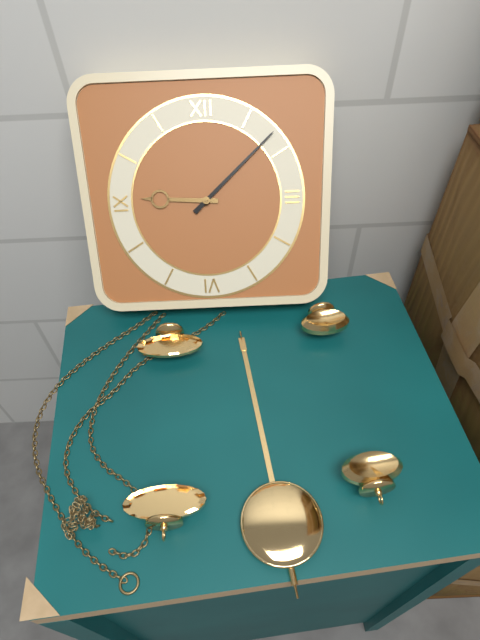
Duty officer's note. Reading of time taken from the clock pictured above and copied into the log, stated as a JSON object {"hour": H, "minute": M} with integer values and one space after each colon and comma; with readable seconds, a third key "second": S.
{"hour": 9, "minute": 8}
